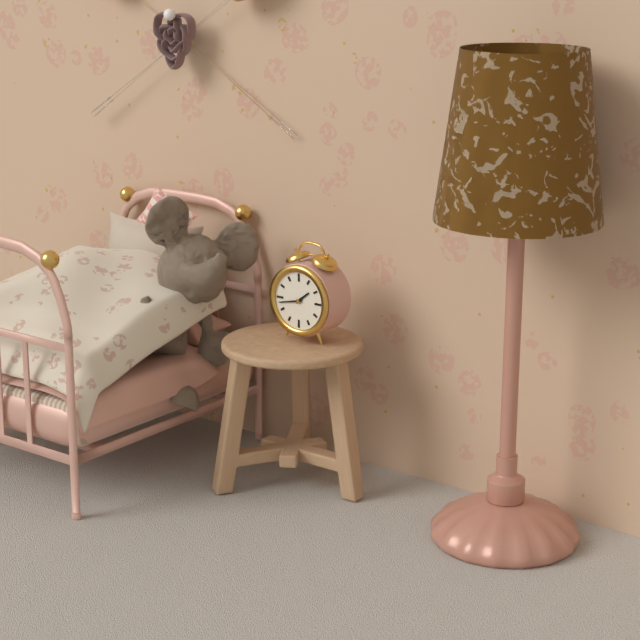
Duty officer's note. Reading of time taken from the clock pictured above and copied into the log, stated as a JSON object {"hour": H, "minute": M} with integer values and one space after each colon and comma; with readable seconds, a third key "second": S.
{"hour": 1, "minute": 43}
